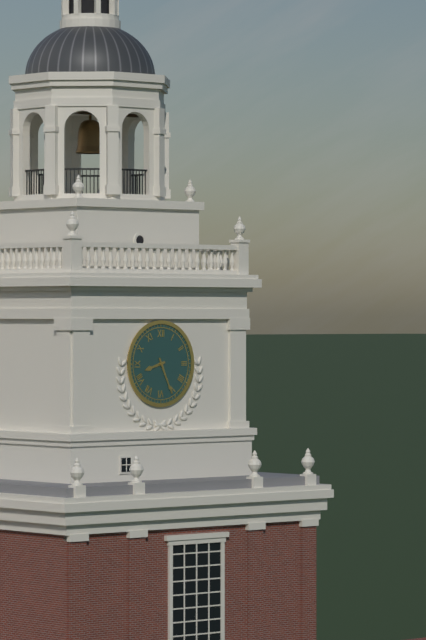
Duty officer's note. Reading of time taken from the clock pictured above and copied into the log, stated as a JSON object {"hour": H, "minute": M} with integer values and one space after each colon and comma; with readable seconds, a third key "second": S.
{"hour": 8, "minute": 26}
